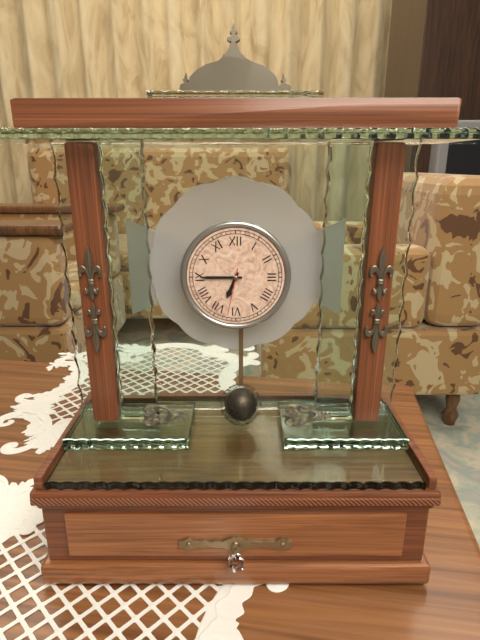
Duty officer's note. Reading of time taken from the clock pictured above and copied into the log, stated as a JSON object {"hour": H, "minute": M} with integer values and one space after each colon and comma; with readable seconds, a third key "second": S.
{"hour": 6, "minute": 45}
